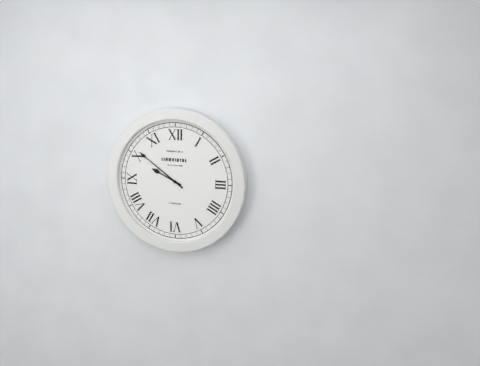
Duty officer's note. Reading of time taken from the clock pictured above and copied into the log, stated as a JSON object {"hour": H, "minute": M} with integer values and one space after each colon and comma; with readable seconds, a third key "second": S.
{"hour": 9, "minute": 51}
